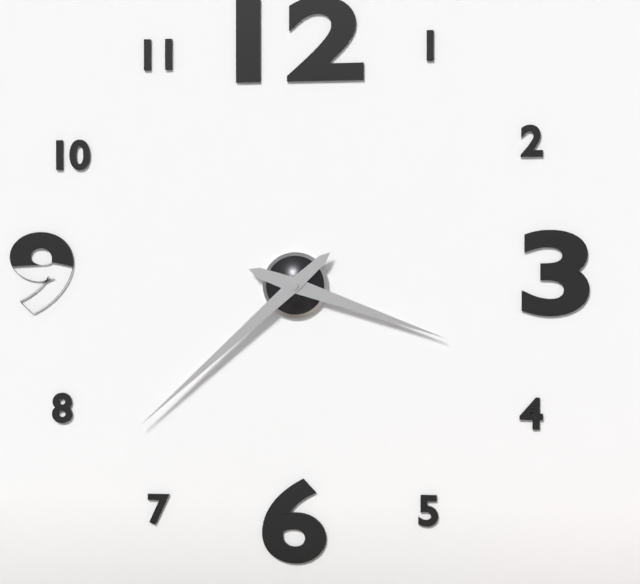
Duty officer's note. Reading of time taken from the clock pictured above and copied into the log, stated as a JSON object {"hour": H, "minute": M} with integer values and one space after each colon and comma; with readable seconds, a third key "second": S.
{"hour": 3, "minute": 38}
